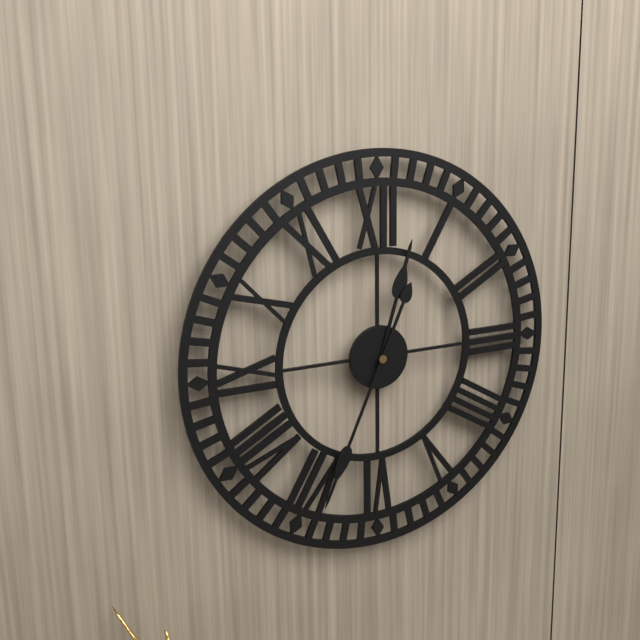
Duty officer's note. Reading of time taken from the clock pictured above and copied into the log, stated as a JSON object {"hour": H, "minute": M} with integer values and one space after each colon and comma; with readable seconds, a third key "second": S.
{"hour": 12, "minute": 34}
